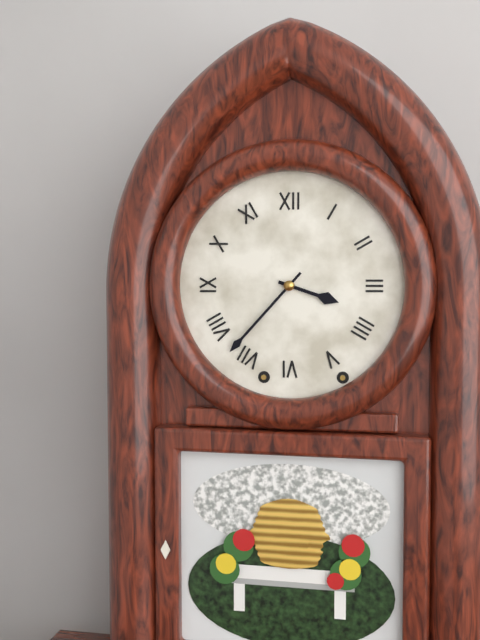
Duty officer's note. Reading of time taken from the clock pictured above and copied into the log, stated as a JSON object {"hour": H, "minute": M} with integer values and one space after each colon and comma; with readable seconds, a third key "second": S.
{"hour": 3, "minute": 37}
